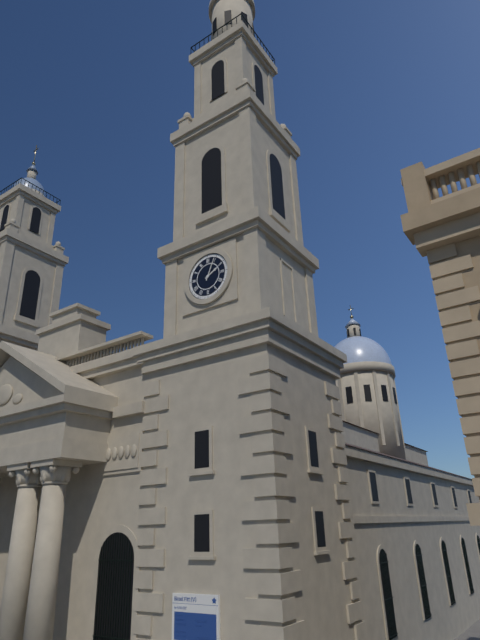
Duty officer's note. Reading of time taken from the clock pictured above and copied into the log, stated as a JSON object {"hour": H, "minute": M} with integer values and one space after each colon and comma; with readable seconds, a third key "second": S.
{"hour": 2, "minute": 4}
